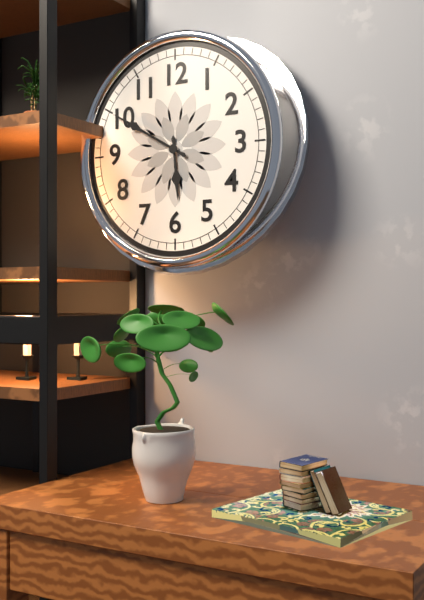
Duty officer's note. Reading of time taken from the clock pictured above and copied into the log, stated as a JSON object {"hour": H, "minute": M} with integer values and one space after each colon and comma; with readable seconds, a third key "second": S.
{"hour": 5, "minute": 50}
